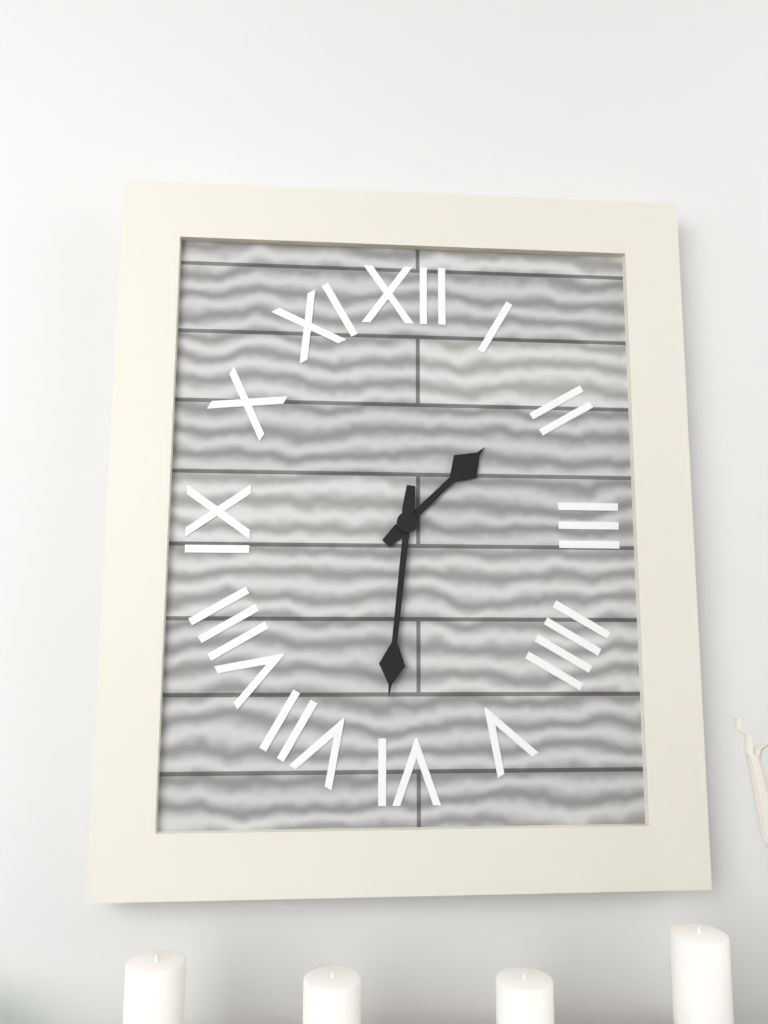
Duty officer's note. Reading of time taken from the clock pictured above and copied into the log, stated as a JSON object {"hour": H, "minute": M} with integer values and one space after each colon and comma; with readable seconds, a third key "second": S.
{"hour": 1, "minute": 31}
